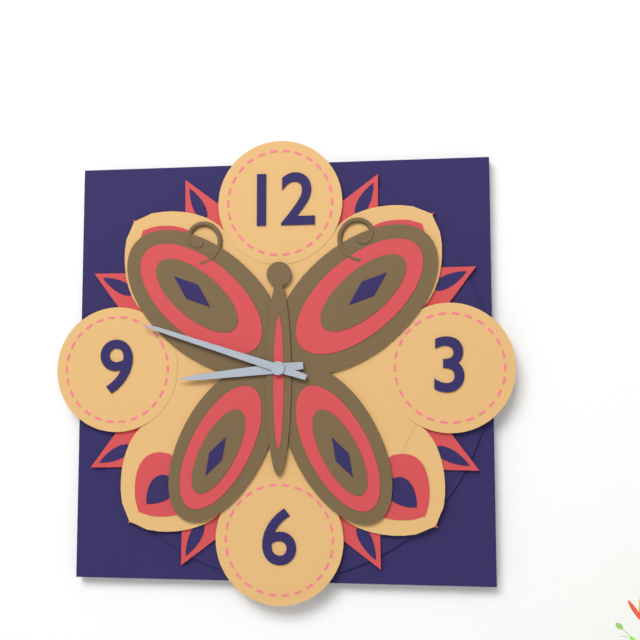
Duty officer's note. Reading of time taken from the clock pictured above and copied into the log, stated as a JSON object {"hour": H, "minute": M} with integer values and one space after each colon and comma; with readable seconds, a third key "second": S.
{"hour": 8, "minute": 48}
